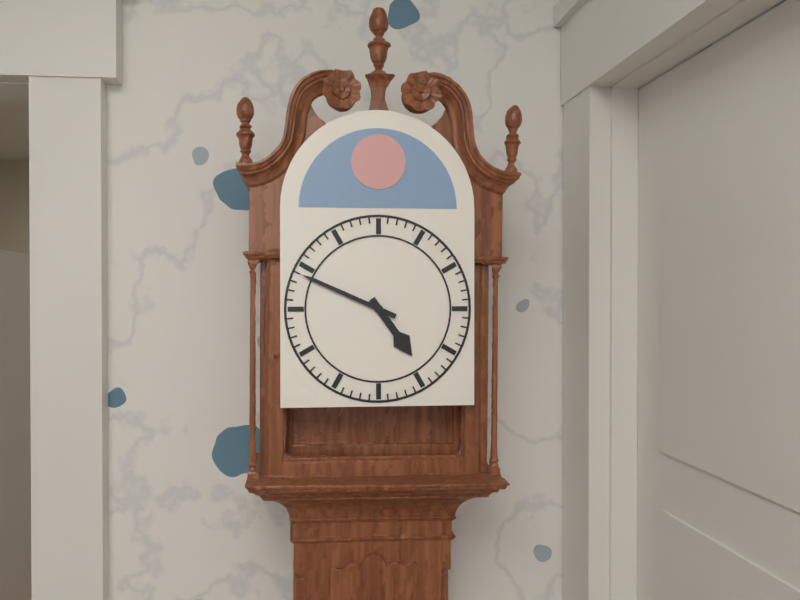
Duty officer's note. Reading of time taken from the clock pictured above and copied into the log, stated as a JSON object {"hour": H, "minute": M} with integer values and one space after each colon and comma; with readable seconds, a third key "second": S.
{"hour": 4, "minute": 49}
